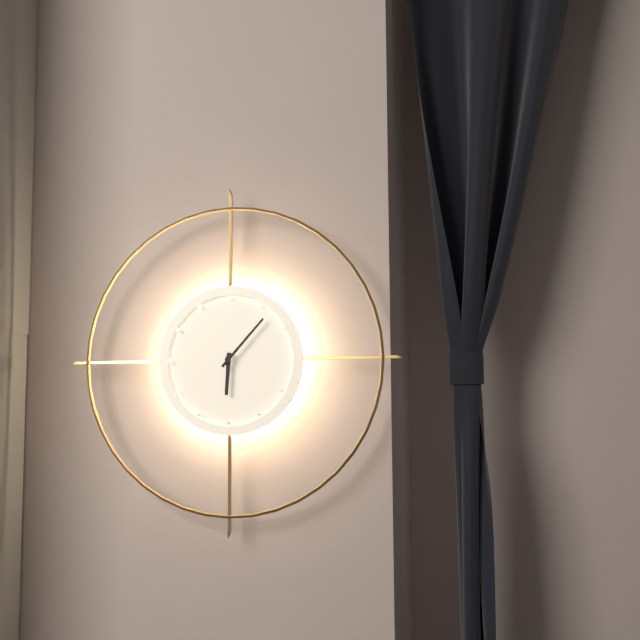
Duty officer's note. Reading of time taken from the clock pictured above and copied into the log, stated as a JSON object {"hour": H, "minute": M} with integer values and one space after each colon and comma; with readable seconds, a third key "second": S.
{"hour": 6, "minute": 7}
